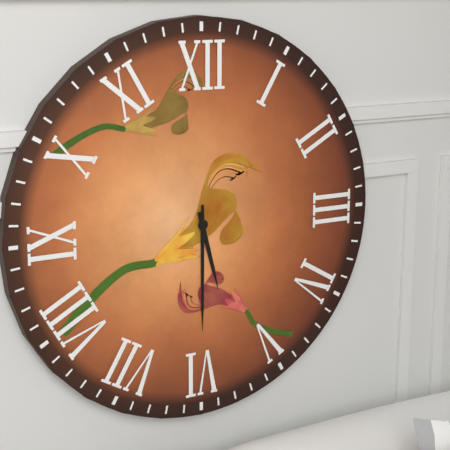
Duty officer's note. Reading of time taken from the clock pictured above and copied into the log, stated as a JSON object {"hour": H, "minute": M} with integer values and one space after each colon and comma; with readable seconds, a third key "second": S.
{"hour": 5, "minute": 30}
